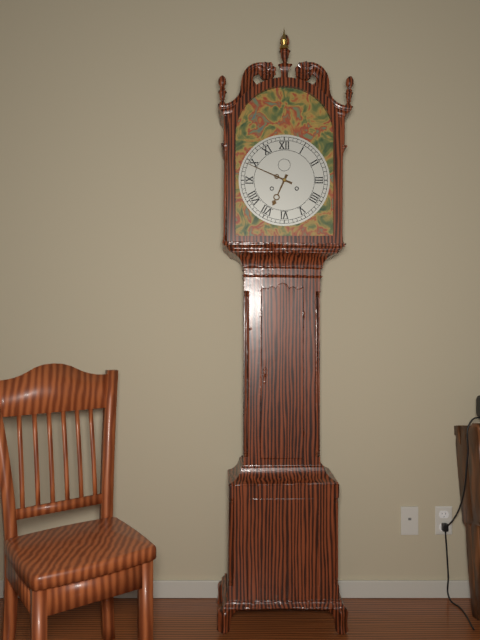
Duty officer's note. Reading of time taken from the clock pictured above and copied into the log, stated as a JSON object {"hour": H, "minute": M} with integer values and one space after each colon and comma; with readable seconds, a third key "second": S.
{"hour": 6, "minute": 49}
